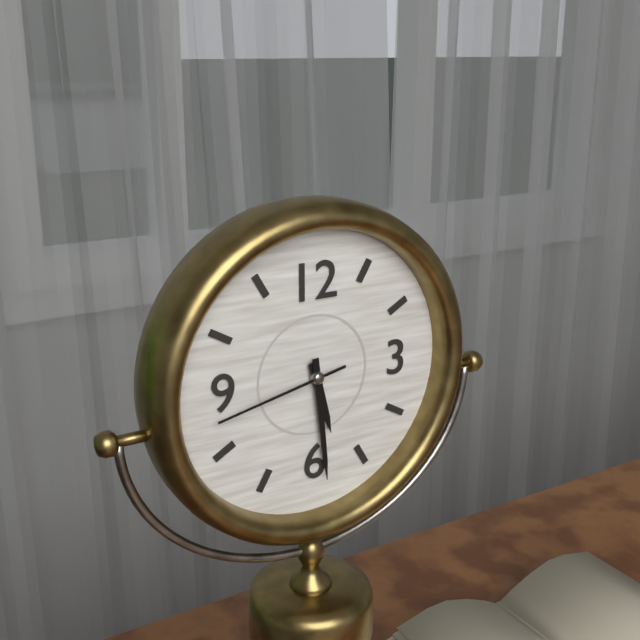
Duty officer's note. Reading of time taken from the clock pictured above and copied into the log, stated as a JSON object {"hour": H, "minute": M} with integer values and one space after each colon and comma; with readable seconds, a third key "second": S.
{"hour": 5, "minute": 29, "second": 43}
